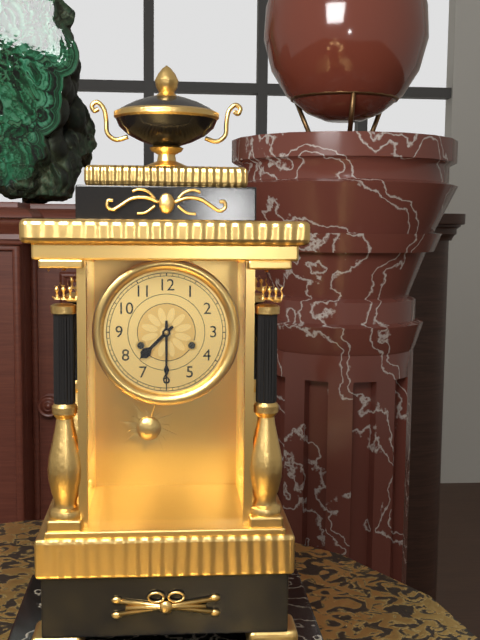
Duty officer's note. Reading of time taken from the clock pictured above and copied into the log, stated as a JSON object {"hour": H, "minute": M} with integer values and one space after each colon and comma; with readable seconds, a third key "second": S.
{"hour": 7, "minute": 30}
